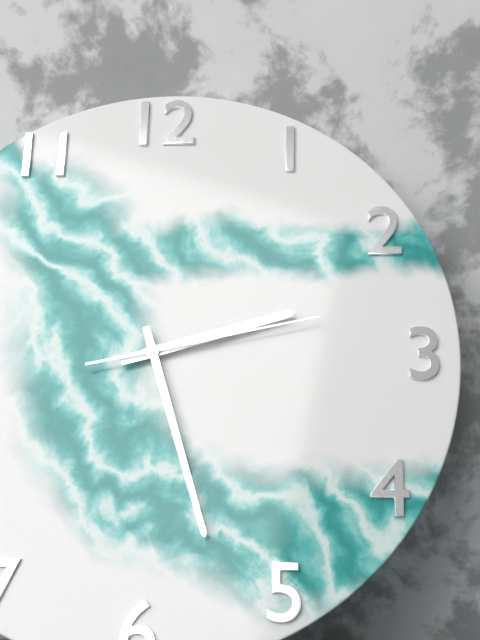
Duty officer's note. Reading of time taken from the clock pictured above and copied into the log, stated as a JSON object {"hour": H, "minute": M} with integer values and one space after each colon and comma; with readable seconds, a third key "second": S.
{"hour": 2, "minute": 27, "second": 13}
